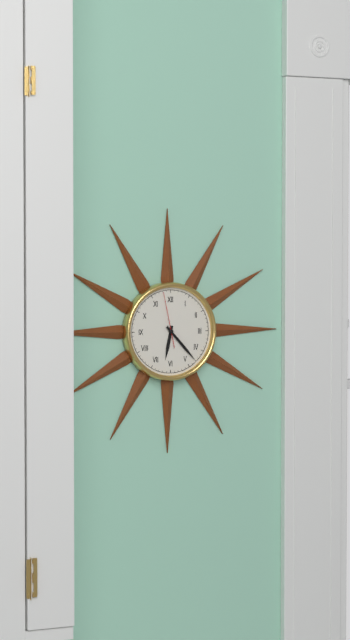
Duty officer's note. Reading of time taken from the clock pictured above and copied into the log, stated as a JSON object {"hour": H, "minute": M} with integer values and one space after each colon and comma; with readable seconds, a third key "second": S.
{"hour": 6, "minute": 23}
